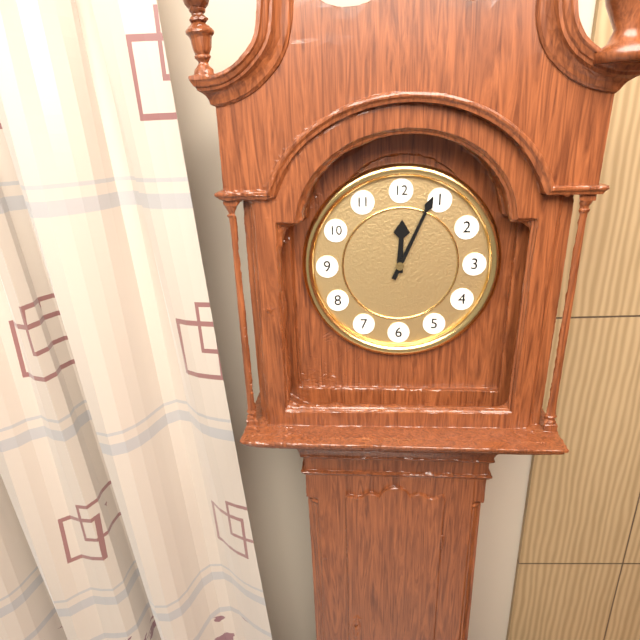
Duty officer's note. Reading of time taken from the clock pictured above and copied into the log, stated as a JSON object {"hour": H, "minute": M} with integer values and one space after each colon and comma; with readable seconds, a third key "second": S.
{"hour": 12, "minute": 4}
